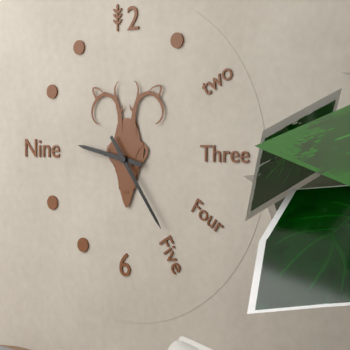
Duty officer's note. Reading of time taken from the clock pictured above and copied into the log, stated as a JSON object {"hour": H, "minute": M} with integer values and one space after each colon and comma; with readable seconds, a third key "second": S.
{"hour": 9, "minute": 24}
